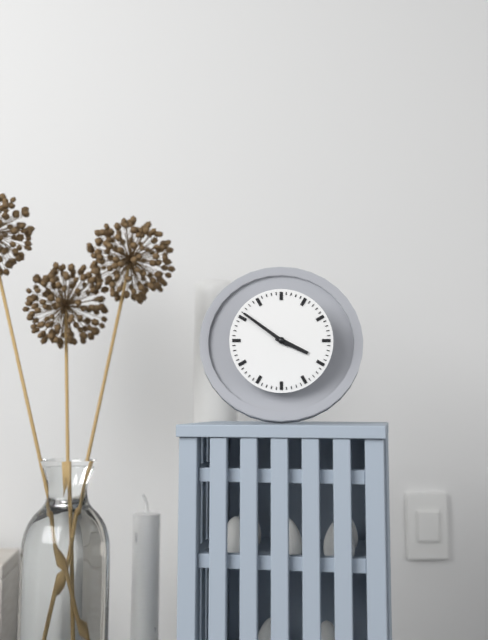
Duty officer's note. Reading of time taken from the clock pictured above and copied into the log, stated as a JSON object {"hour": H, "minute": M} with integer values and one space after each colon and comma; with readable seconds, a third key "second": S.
{"hour": 3, "minute": 51}
